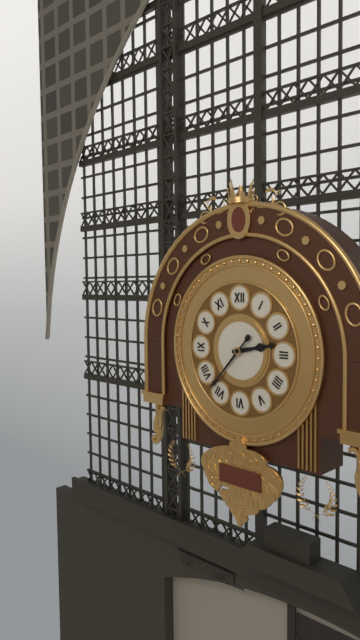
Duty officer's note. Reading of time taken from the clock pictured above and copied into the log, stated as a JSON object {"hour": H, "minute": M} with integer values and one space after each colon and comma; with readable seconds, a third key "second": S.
{"hour": 2, "minute": 37}
